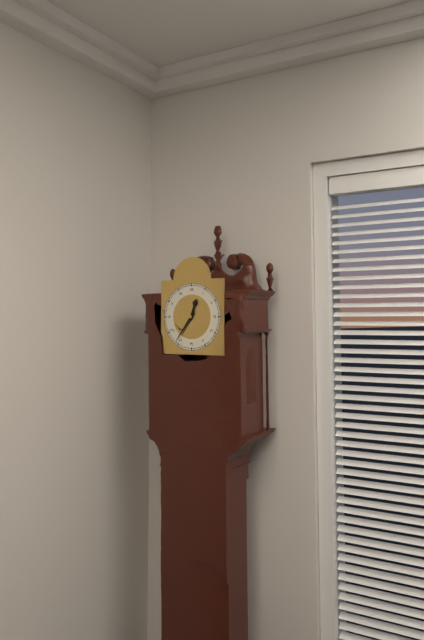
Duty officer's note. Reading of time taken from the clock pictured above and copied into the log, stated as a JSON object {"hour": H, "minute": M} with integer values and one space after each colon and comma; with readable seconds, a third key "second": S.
{"hour": 12, "minute": 36}
